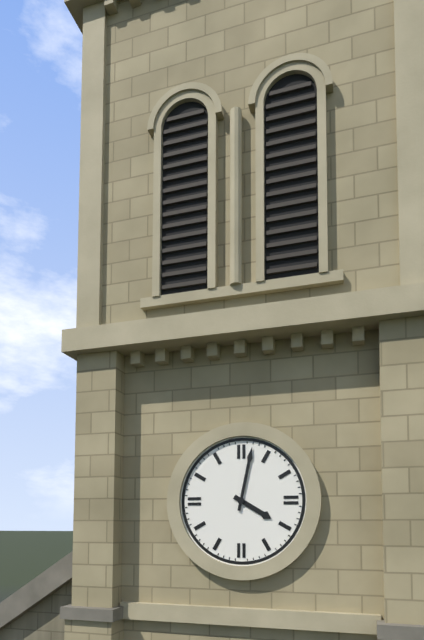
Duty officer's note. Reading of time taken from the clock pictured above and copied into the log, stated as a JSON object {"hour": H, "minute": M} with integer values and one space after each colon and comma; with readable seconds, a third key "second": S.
{"hour": 4, "minute": 2}
